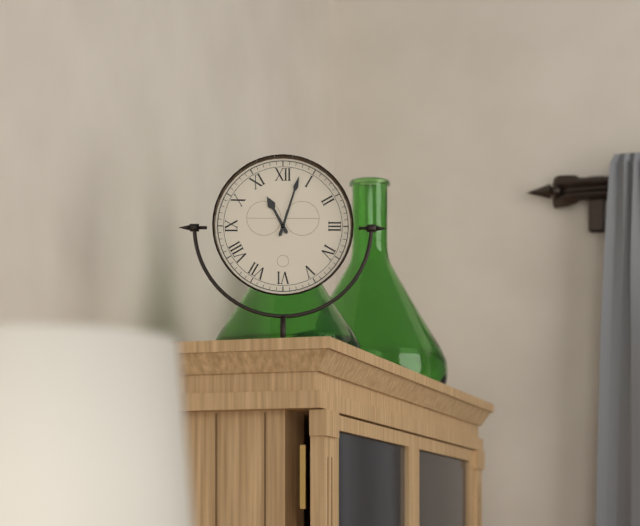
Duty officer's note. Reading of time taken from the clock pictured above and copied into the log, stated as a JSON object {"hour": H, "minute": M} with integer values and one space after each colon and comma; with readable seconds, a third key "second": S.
{"hour": 11, "minute": 3}
